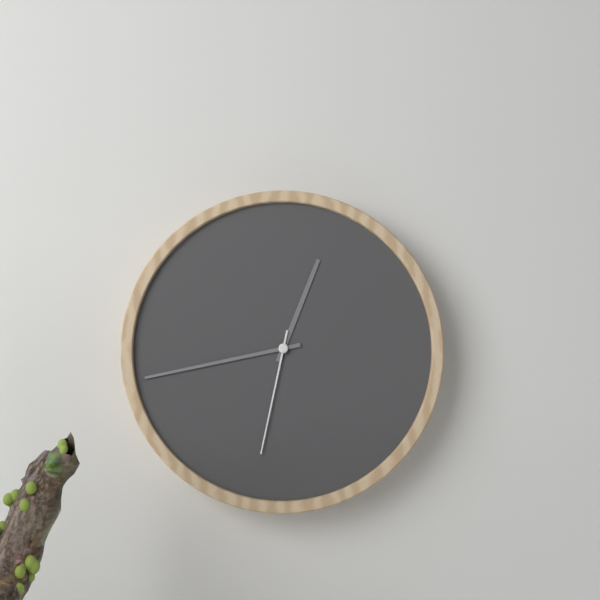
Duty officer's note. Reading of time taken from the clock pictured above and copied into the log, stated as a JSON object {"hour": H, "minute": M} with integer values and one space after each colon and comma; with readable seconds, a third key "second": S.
{"hour": 12, "minute": 43, "second": 32}
